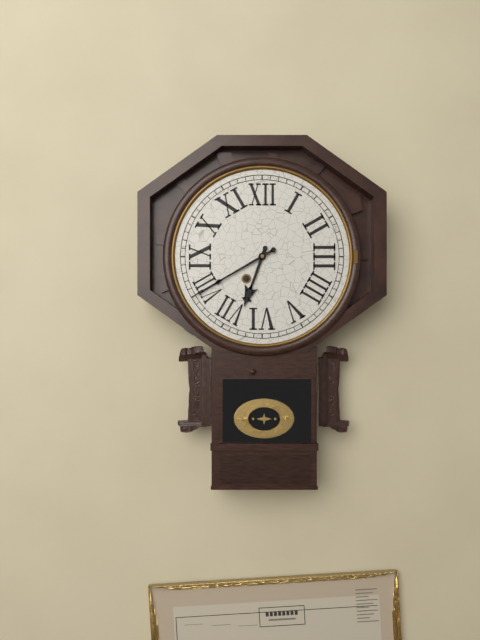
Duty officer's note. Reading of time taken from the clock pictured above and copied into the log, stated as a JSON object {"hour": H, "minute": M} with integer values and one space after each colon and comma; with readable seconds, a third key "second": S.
{"hour": 6, "minute": 40}
